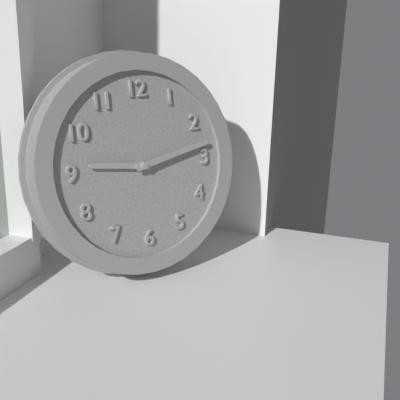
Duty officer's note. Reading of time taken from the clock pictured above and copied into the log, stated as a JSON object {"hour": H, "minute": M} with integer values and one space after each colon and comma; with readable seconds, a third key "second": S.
{"hour": 9, "minute": 13}
